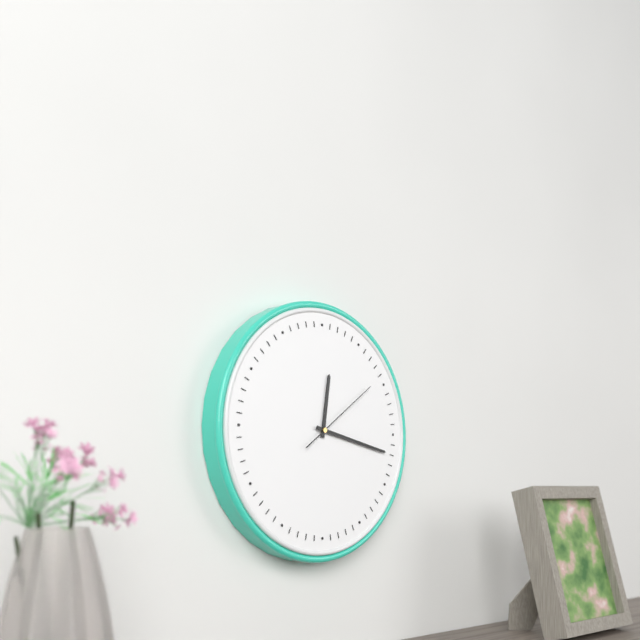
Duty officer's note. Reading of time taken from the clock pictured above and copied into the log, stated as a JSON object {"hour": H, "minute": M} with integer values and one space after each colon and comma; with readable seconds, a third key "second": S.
{"hour": 12, "minute": 17, "second": 9}
